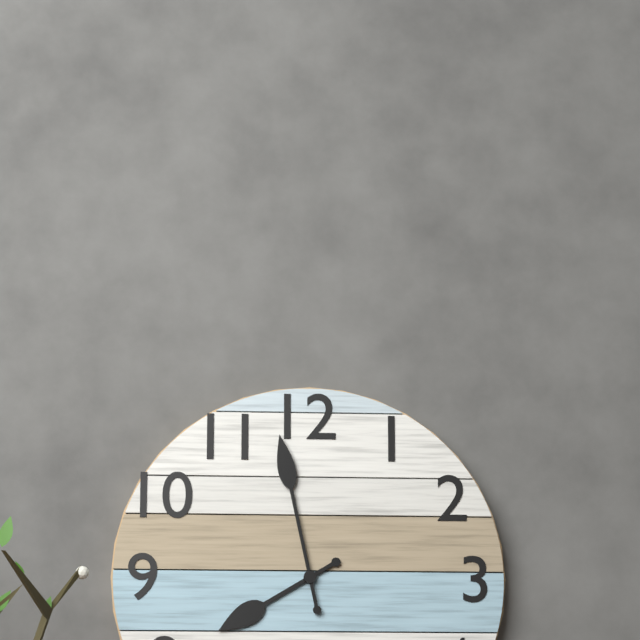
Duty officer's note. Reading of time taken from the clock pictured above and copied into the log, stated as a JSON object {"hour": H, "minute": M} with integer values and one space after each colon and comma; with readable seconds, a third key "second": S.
{"hour": 7, "minute": 58}
